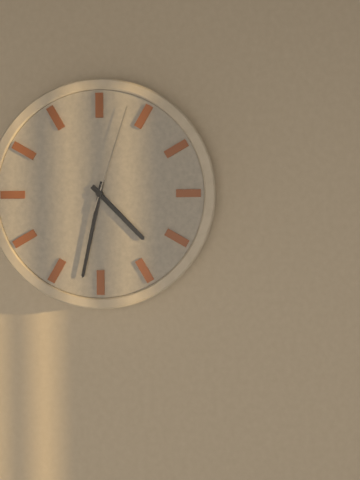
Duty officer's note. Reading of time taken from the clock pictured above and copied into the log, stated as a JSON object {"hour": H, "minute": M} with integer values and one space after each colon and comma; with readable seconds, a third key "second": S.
{"hour": 4, "minute": 32, "second": 3}
